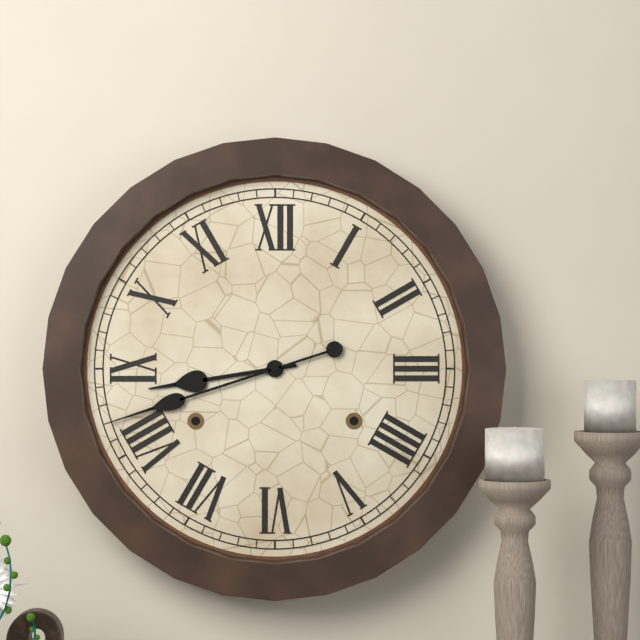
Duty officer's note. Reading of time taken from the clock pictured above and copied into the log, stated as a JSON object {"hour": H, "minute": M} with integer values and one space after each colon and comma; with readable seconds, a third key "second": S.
{"hour": 8, "minute": 42}
